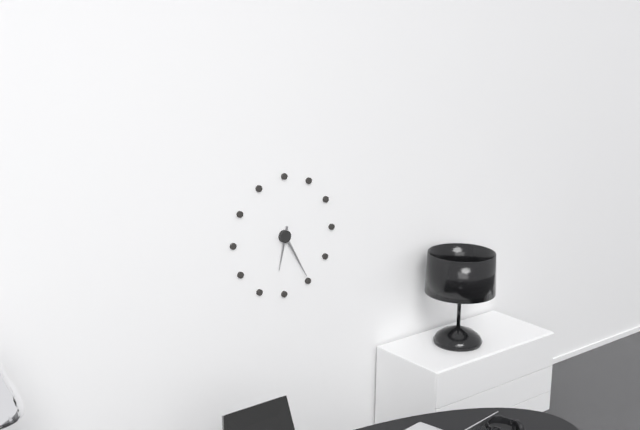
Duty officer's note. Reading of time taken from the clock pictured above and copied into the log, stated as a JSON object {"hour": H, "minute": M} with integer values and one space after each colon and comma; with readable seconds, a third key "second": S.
{"hour": 6, "minute": 25}
